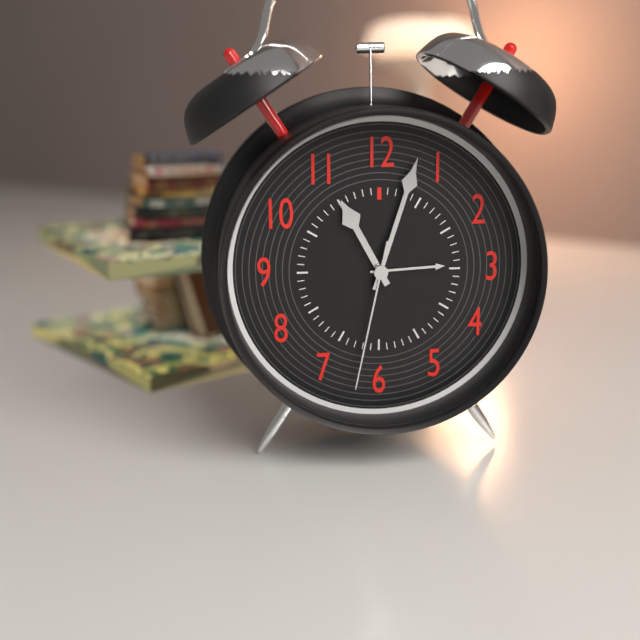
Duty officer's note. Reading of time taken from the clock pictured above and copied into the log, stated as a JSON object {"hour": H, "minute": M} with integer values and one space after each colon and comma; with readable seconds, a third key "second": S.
{"hour": 11, "minute": 3, "second": 32}
